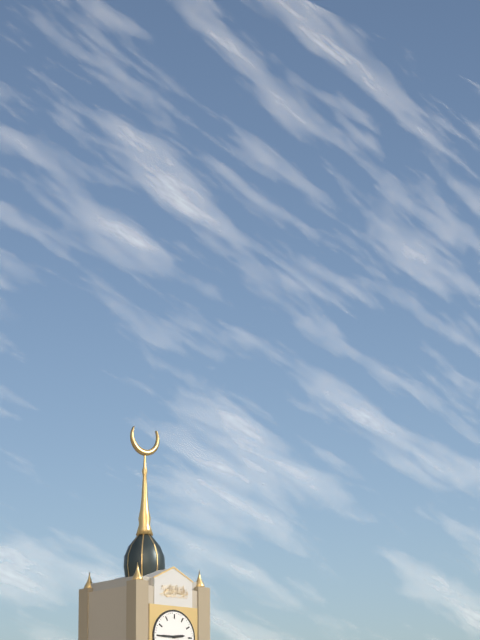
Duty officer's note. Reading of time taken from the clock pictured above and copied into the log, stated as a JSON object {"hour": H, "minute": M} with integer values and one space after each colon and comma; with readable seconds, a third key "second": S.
{"hour": 2, "minute": 45}
